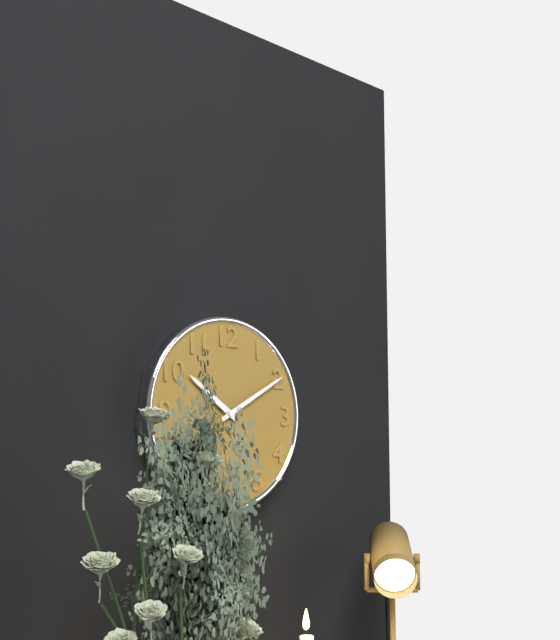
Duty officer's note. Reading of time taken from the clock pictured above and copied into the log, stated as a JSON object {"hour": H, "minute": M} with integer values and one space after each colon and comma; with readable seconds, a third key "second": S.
{"hour": 10, "minute": 10}
